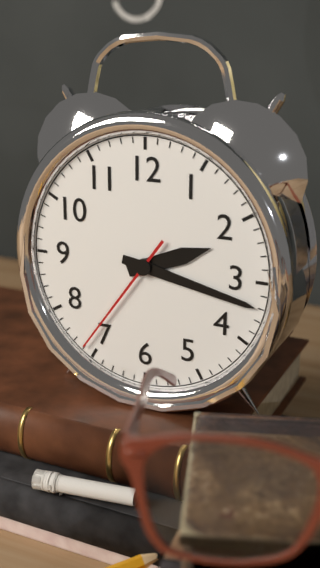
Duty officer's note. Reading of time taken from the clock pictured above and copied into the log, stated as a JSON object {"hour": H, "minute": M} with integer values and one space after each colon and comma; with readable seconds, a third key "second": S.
{"hour": 2, "minute": 17, "second": 36}
